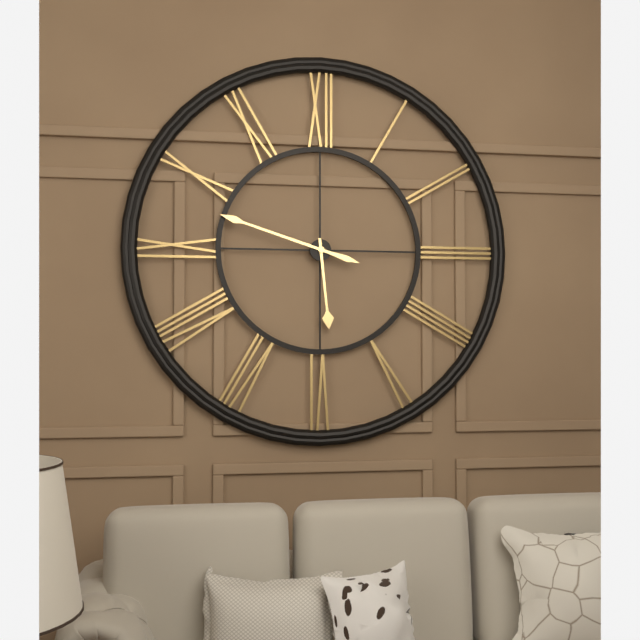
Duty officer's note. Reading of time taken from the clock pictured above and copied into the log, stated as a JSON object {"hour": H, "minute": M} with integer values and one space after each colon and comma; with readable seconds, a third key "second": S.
{"hour": 5, "minute": 48}
